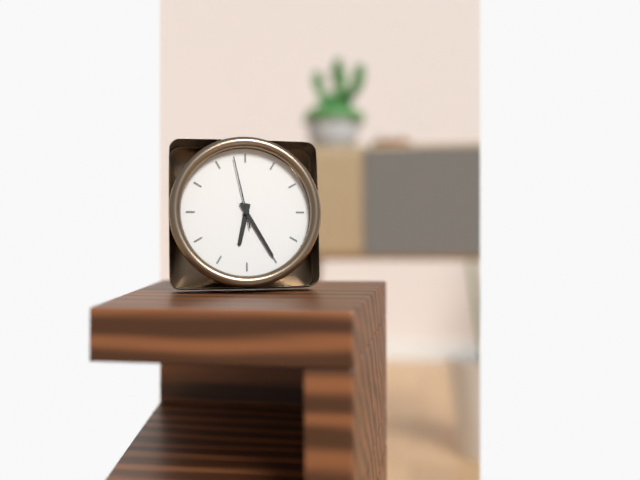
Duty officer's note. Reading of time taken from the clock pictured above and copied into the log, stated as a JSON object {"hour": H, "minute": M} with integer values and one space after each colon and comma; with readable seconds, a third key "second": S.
{"hour": 6, "minute": 25, "second": 58}
